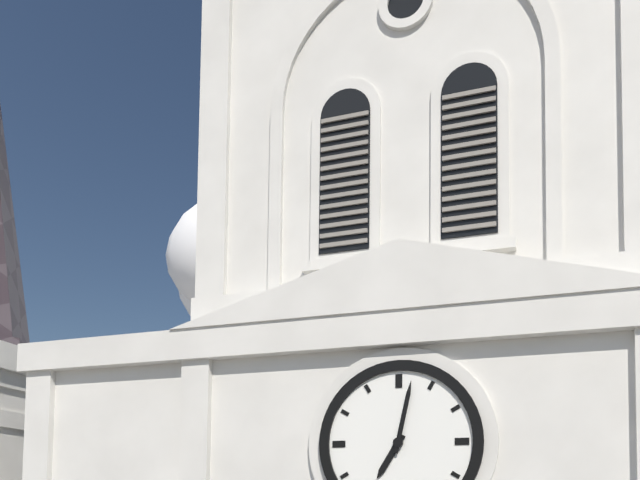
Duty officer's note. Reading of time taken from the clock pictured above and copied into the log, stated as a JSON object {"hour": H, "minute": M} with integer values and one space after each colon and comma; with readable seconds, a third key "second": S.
{"hour": 7, "minute": 2}
